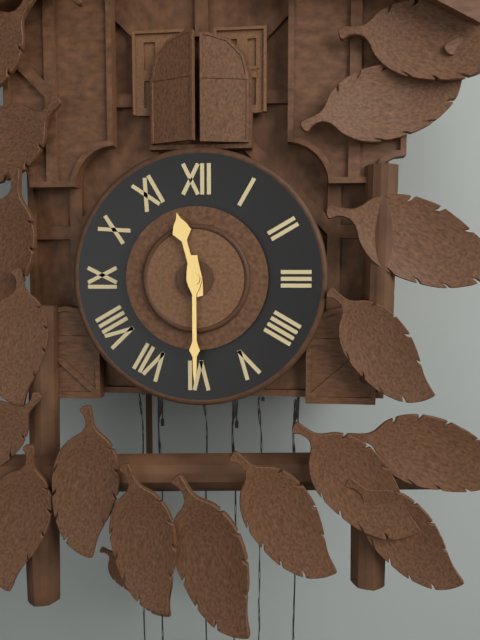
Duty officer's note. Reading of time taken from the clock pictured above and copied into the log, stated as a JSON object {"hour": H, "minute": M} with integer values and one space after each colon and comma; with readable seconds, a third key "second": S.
{"hour": 11, "minute": 30}
